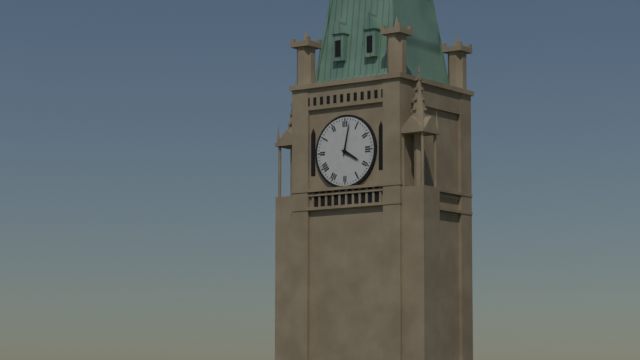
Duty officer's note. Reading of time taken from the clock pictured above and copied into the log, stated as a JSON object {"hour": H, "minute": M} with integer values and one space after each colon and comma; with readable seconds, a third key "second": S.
{"hour": 4, "minute": 2}
